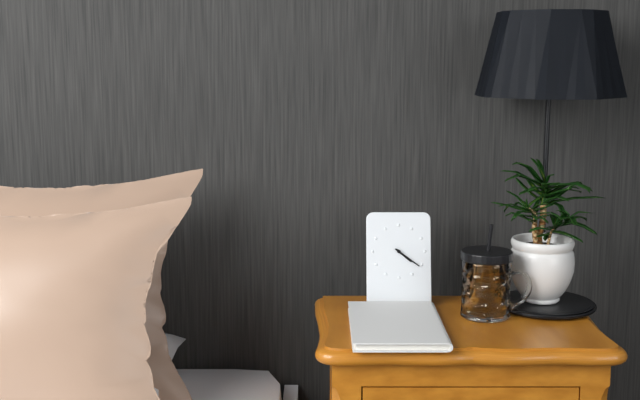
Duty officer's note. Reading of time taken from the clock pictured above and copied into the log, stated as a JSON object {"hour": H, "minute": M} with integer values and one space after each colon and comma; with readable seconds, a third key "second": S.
{"hour": 4, "minute": 21}
